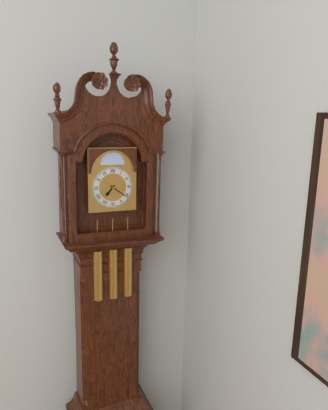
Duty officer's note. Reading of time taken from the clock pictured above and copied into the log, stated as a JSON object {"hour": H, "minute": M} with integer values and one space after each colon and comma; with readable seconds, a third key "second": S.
{"hour": 7, "minute": 21}
